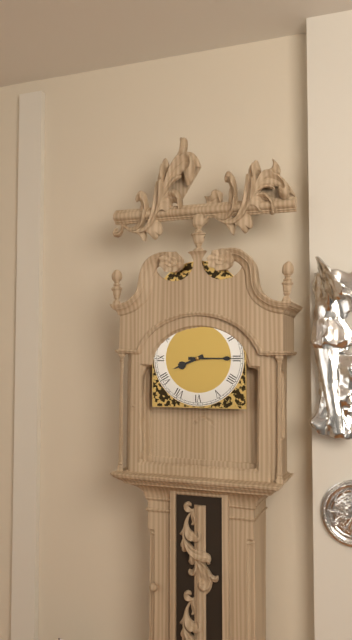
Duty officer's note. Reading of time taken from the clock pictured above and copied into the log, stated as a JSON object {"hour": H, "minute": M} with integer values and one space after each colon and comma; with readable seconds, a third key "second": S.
{"hour": 8, "minute": 15}
